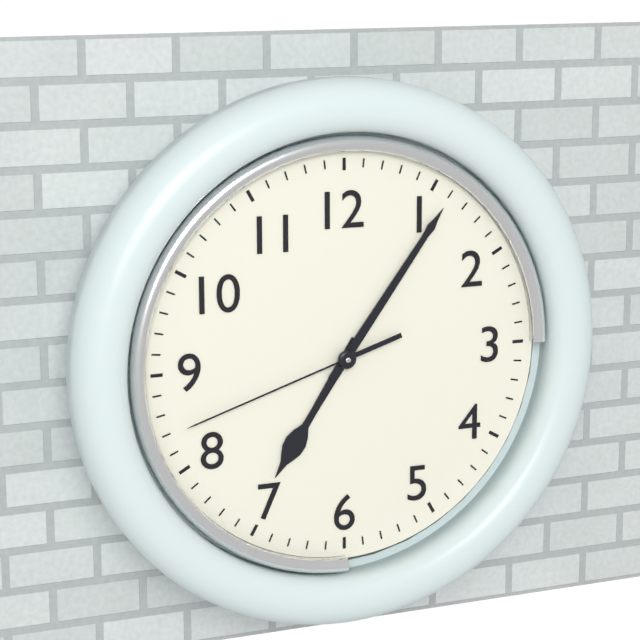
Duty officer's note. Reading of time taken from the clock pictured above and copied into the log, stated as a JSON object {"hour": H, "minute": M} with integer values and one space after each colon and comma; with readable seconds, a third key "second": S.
{"hour": 7, "minute": 6, "second": 42}
